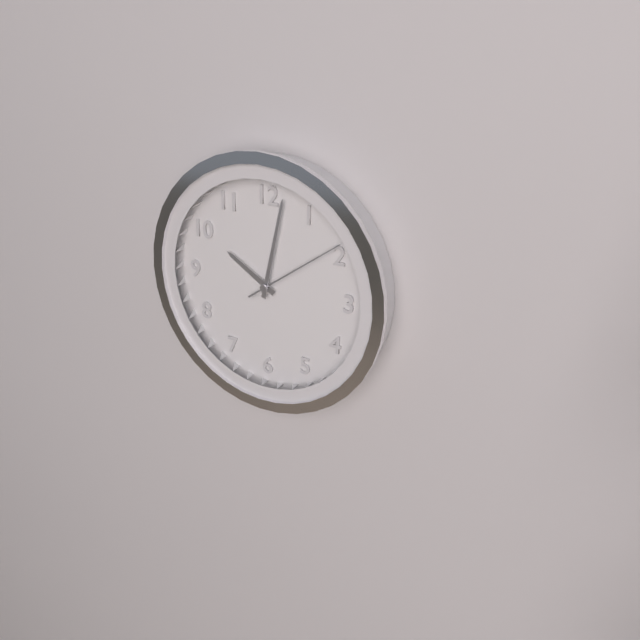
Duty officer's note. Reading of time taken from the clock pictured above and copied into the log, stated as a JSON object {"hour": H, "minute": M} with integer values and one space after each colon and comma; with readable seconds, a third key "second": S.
{"hour": 10, "minute": 2, "second": 9}
